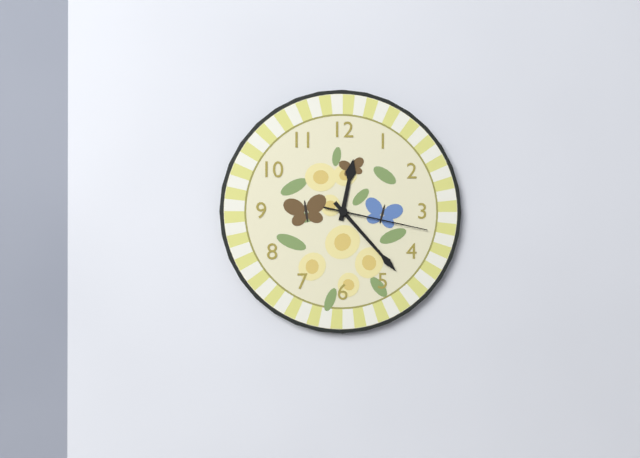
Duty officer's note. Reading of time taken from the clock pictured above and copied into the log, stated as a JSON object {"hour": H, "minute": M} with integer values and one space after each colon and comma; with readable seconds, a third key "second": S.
{"hour": 12, "minute": 23, "second": 17}
